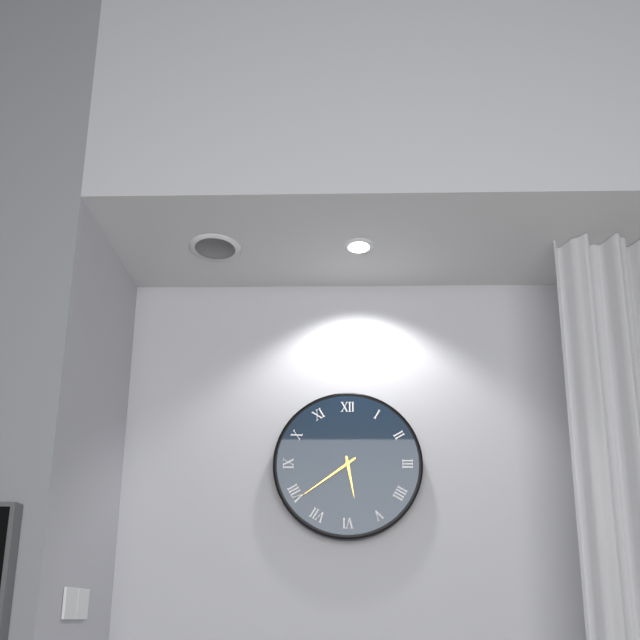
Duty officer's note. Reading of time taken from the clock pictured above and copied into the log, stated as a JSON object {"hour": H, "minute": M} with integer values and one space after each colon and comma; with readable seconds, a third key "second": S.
{"hour": 5, "minute": 39}
